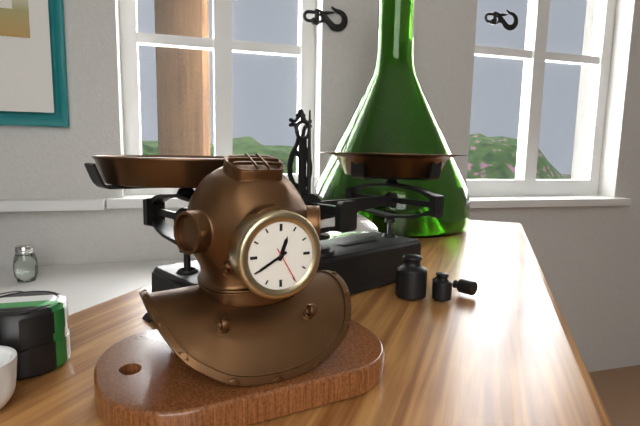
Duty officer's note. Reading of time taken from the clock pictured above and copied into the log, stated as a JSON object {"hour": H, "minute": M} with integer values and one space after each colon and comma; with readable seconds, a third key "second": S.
{"hour": 12, "minute": 40}
